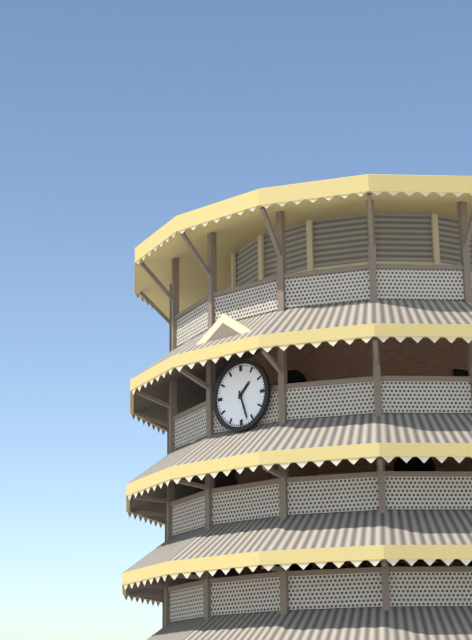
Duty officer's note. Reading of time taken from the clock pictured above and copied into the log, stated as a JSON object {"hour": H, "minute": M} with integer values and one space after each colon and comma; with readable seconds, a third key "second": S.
{"hour": 1, "minute": 27}
